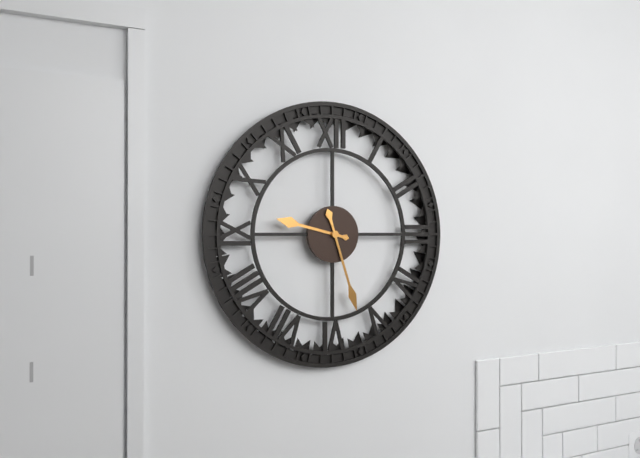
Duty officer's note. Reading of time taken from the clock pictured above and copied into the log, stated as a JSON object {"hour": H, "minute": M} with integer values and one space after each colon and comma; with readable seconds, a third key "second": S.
{"hour": 9, "minute": 27}
